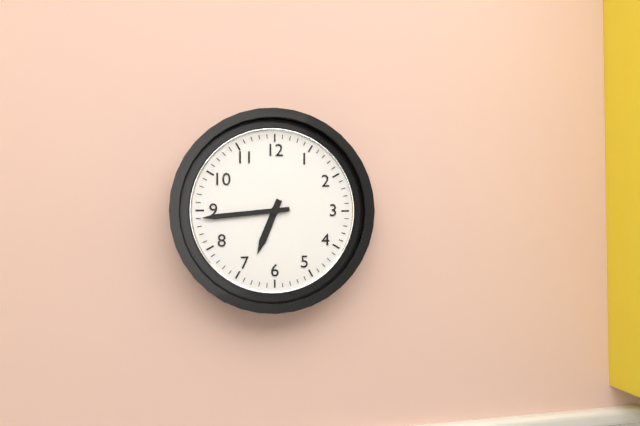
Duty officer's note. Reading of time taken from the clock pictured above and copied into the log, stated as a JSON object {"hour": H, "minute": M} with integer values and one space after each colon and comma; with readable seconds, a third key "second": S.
{"hour": 6, "minute": 44}
